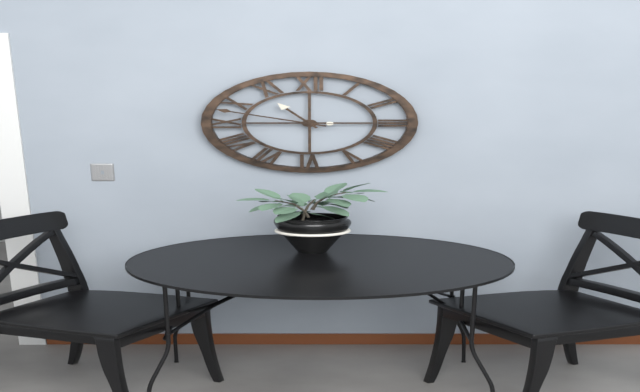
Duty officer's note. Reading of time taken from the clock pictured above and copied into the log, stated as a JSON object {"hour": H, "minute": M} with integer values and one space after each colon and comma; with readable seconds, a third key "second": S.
{"hour": 10, "minute": 48, "second": 45}
